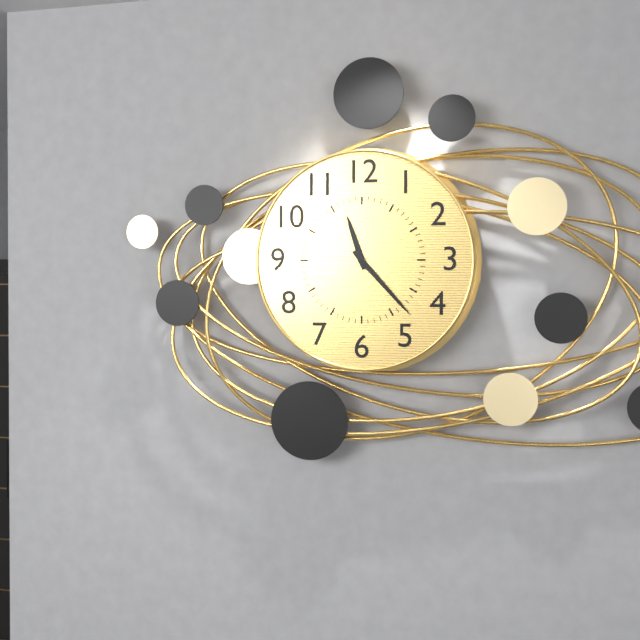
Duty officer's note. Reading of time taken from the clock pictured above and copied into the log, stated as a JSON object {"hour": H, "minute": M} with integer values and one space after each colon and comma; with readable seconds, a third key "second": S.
{"hour": 11, "minute": 23}
